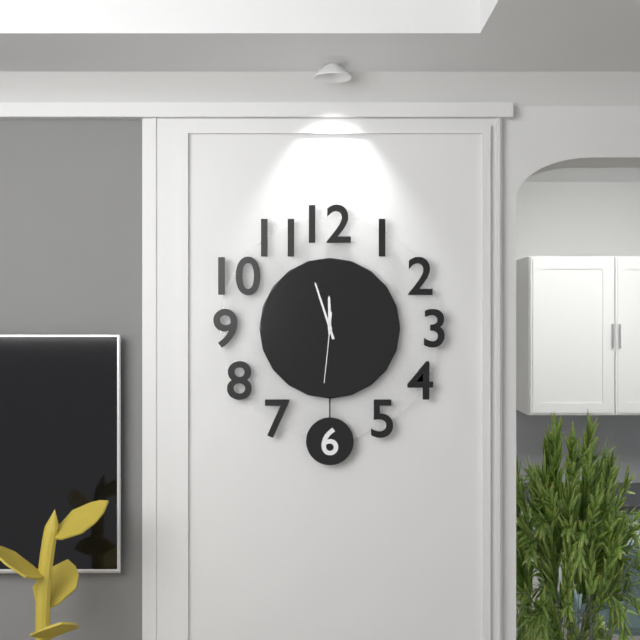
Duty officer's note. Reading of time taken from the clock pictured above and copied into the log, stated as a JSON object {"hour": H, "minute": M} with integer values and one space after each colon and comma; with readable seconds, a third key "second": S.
{"hour": 11, "minute": 57, "second": 31}
